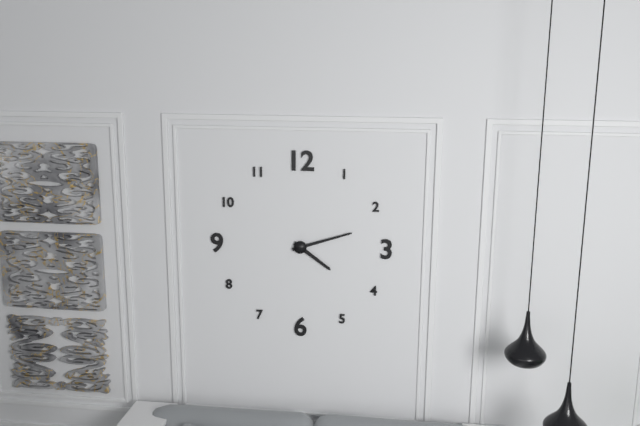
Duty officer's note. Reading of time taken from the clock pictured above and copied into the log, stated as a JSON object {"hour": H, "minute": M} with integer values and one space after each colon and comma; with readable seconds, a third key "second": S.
{"hour": 4, "minute": 12}
